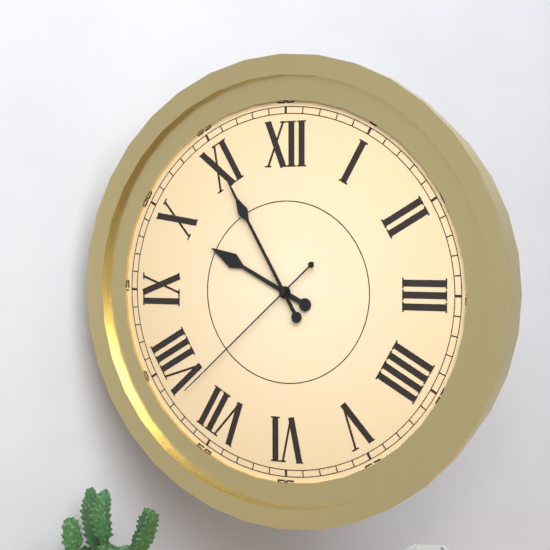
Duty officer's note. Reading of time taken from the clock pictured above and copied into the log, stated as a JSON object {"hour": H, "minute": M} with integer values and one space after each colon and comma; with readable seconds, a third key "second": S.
{"hour": 9, "minute": 55, "second": 38}
